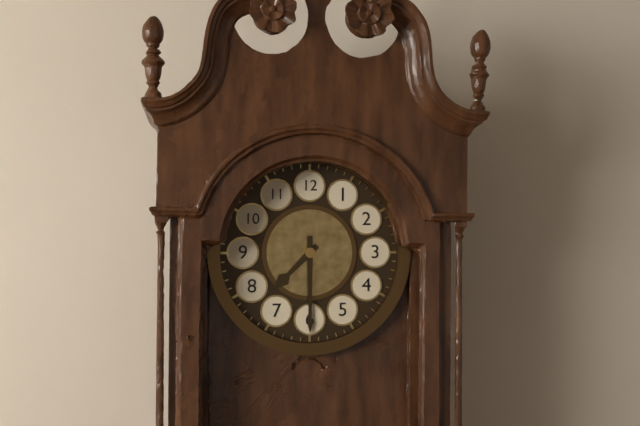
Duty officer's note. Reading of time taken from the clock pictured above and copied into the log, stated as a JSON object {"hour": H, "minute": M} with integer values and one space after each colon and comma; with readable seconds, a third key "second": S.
{"hour": 7, "minute": 30}
